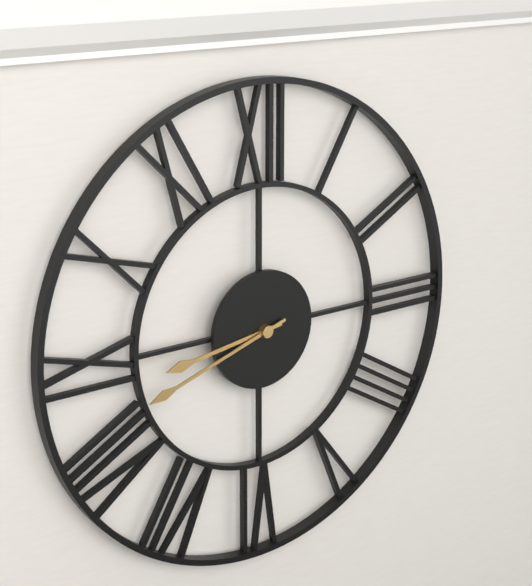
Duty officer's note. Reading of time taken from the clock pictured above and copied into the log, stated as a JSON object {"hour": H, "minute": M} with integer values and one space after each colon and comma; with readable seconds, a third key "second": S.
{"hour": 8, "minute": 42}
